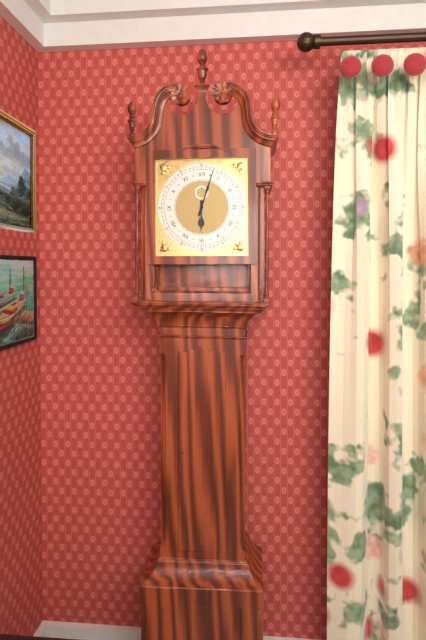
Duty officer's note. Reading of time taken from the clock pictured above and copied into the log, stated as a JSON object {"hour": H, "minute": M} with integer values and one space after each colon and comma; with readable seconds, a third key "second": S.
{"hour": 6, "minute": 3}
